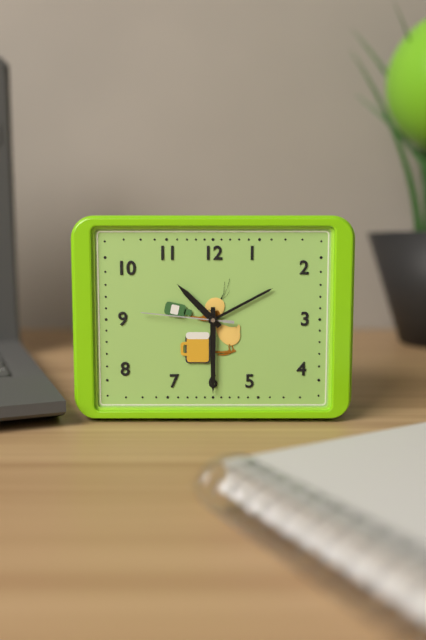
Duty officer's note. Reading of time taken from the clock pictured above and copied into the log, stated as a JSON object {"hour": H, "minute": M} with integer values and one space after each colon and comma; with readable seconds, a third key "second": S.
{"hour": 10, "minute": 30, "second": 46}
